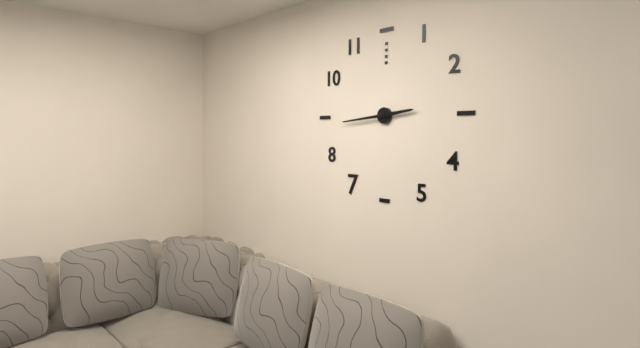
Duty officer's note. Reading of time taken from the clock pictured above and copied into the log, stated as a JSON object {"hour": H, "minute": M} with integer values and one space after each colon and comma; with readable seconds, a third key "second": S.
{"hour": 2, "minute": 44}
